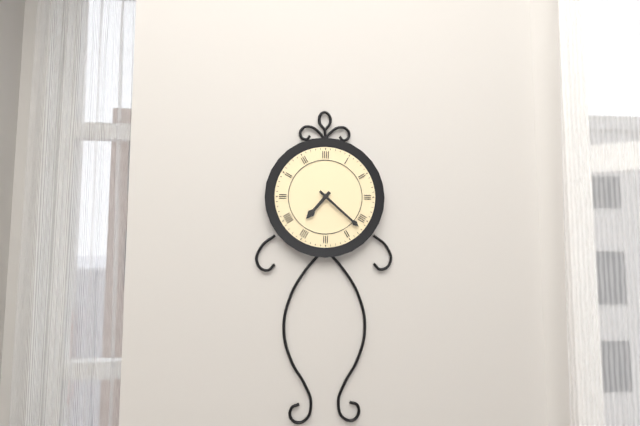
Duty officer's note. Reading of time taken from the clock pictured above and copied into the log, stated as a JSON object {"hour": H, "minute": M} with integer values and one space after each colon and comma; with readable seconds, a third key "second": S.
{"hour": 7, "minute": 22}
